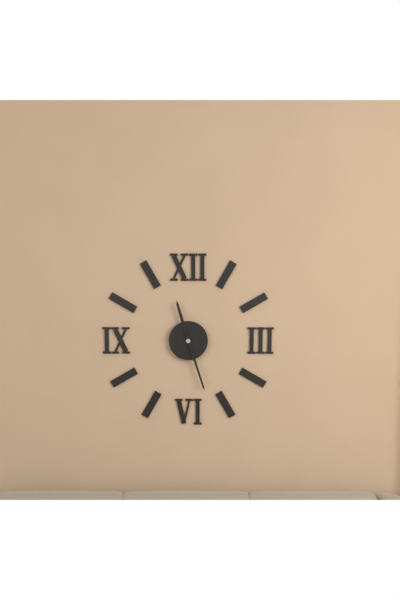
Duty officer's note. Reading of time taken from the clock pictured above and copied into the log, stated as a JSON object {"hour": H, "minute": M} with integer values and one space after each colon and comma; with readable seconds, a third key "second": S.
{"hour": 11, "minute": 27}
